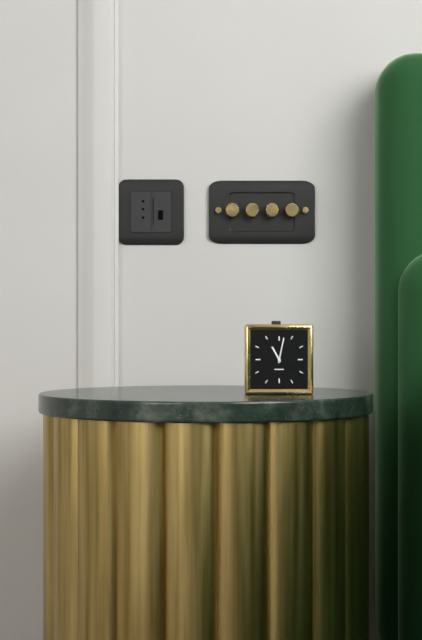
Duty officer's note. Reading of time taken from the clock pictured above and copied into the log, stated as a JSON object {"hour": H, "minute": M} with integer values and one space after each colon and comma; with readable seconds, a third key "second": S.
{"hour": 11, "minute": 2}
